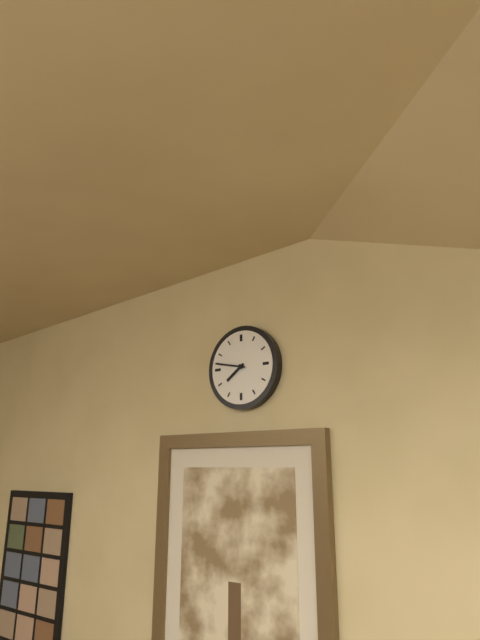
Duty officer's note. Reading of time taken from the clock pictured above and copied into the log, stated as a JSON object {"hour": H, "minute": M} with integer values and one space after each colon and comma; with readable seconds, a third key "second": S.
{"hour": 7, "minute": 47}
